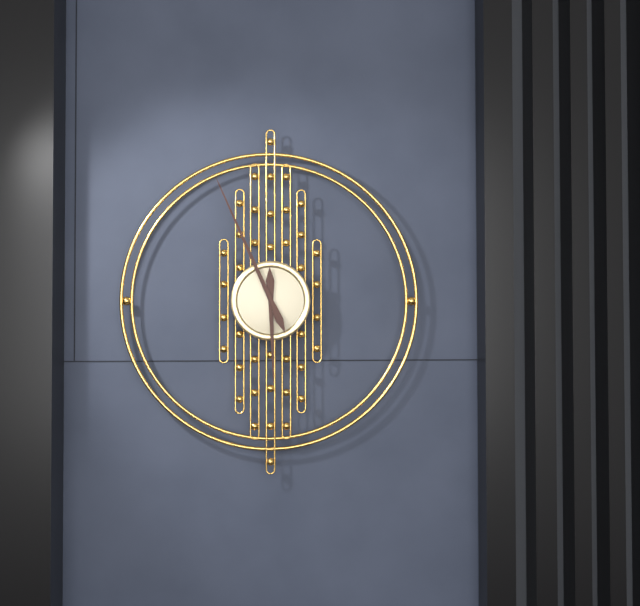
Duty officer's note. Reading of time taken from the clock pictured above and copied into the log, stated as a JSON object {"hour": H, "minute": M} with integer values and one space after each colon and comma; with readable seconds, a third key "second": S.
{"hour": 5, "minute": 56}
